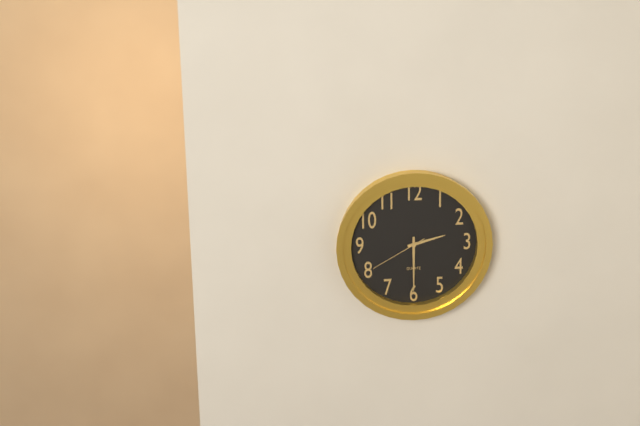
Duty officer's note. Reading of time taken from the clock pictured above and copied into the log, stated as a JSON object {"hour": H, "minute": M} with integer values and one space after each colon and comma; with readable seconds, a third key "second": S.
{"hour": 2, "minute": 30, "second": 40}
